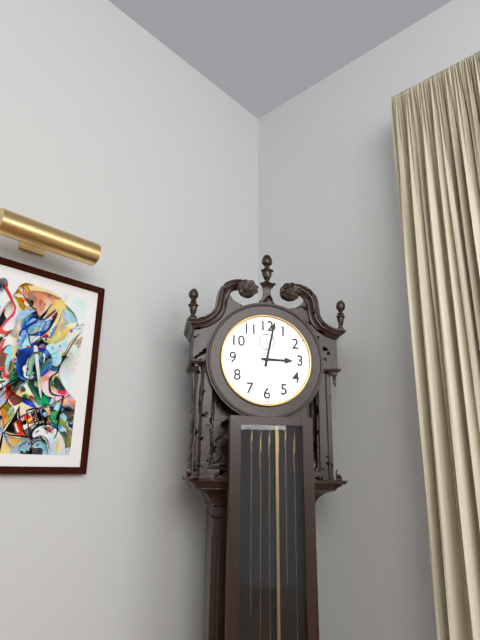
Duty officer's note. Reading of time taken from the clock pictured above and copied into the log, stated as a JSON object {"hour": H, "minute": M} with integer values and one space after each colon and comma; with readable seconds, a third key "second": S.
{"hour": 3, "minute": 2}
